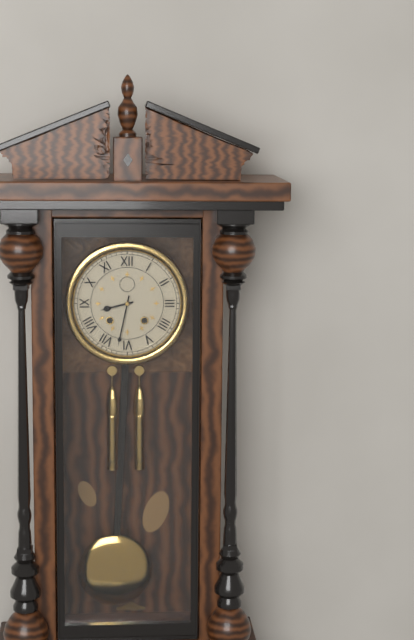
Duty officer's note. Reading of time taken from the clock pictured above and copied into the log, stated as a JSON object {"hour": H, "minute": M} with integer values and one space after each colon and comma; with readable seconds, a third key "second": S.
{"hour": 8, "minute": 32}
